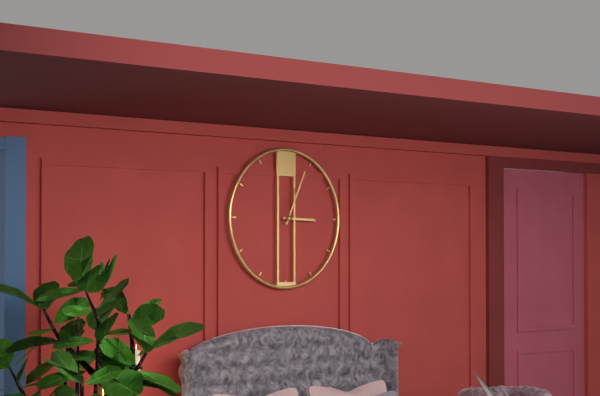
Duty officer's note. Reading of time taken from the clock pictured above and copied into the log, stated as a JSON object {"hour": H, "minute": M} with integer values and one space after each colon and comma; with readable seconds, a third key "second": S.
{"hour": 3, "minute": 4}
